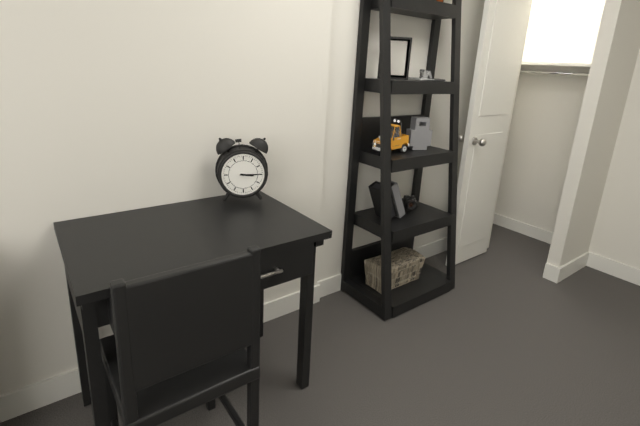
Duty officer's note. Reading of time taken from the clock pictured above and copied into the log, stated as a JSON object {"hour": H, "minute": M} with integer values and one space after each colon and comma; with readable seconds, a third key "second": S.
{"hour": 3, "minute": 15}
